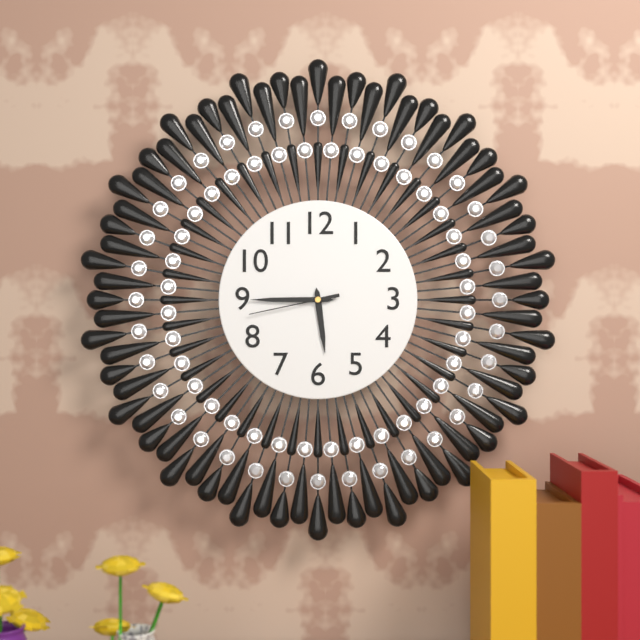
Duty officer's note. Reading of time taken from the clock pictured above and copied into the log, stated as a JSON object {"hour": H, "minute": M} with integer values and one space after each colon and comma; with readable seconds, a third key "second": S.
{"hour": 5, "minute": 45, "second": 43}
